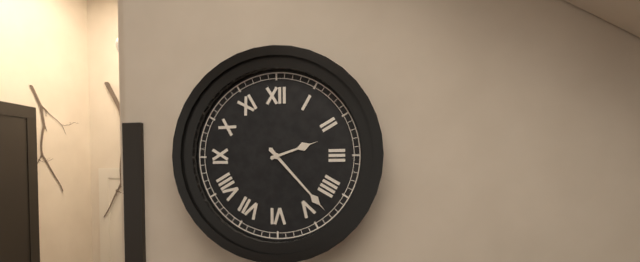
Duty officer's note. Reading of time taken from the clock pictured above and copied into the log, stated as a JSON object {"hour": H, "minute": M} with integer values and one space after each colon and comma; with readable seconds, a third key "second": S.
{"hour": 2, "minute": 23}
